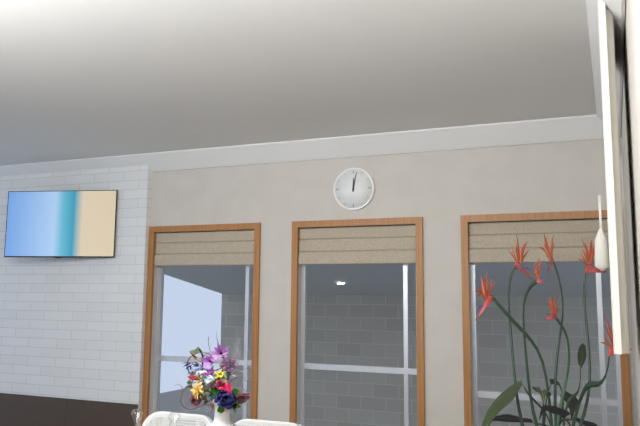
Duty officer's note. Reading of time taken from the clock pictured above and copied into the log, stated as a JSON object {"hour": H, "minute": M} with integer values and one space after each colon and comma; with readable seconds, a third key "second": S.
{"hour": 12, "minute": 2}
